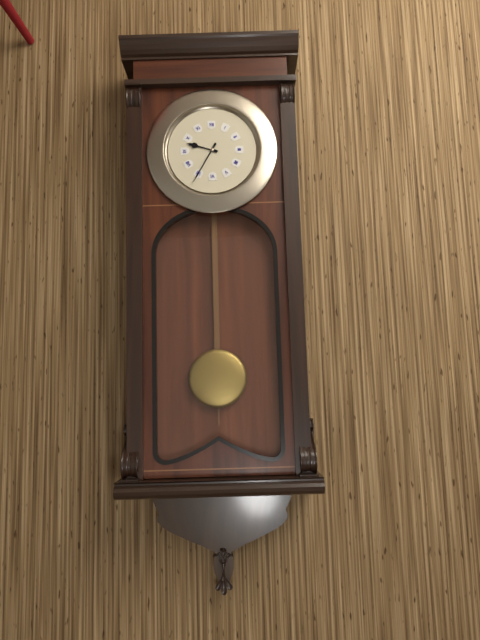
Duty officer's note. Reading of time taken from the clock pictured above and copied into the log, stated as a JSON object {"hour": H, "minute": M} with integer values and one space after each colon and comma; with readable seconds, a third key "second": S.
{"hour": 9, "minute": 35}
